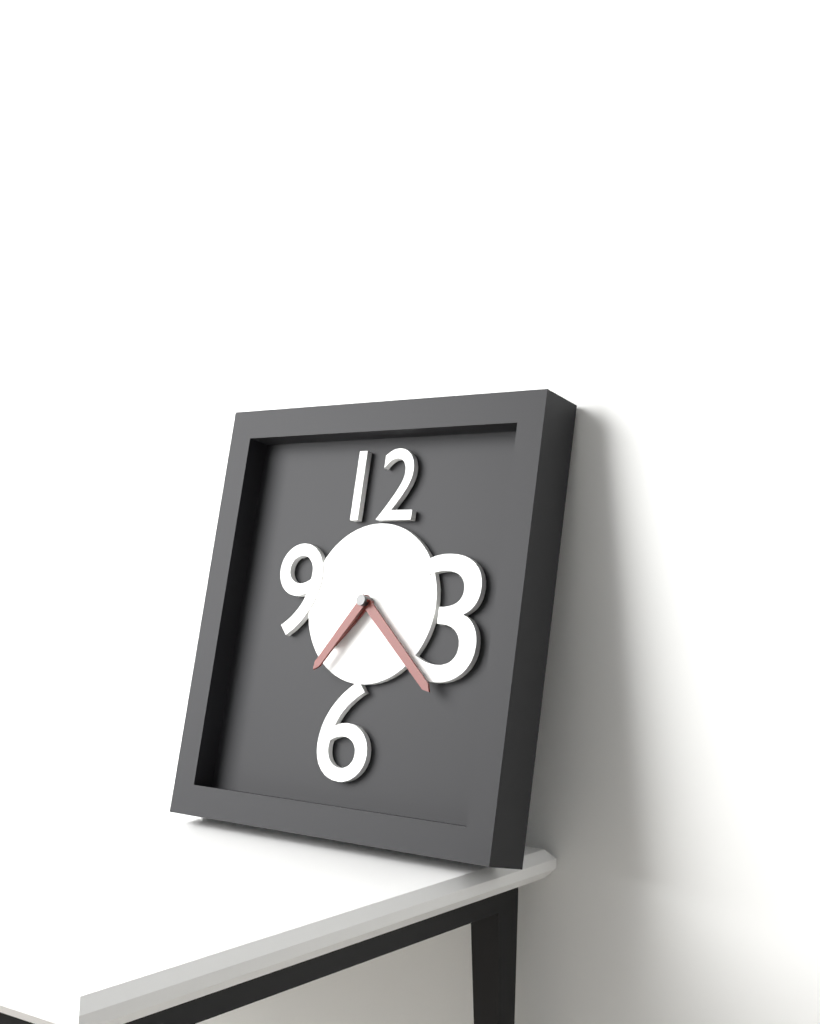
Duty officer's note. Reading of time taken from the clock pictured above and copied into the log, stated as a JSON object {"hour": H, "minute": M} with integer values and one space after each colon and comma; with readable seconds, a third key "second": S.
{"hour": 7, "minute": 22, "second": 36}
